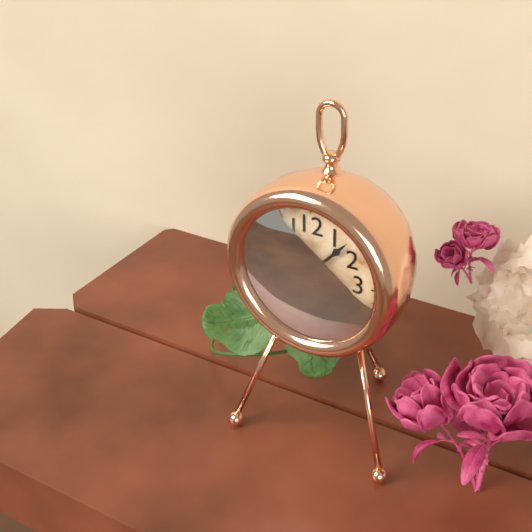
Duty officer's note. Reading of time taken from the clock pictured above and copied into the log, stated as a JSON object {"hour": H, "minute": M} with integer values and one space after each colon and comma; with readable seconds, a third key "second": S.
{"hour": 4, "minute": 7}
